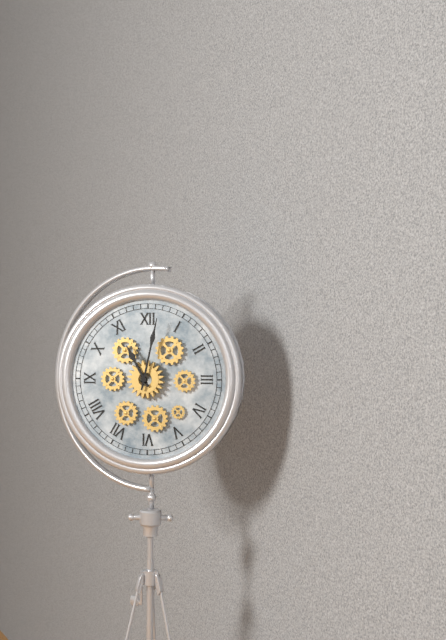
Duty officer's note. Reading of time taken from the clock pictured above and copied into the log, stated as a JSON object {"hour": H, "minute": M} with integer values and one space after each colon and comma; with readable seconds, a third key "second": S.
{"hour": 11, "minute": 2}
